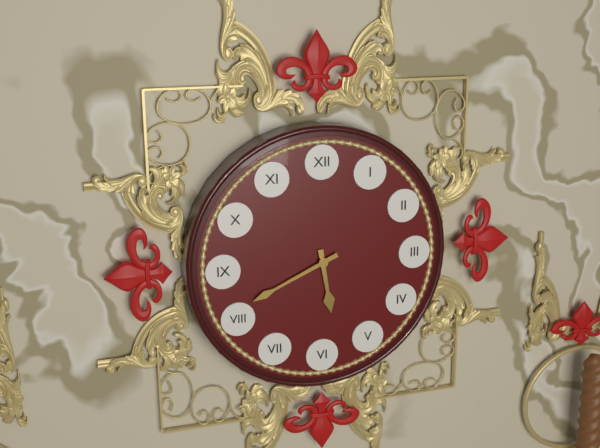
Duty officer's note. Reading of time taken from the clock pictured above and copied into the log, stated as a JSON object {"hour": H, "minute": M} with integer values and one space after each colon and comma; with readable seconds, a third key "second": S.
{"hour": 5, "minute": 41}
